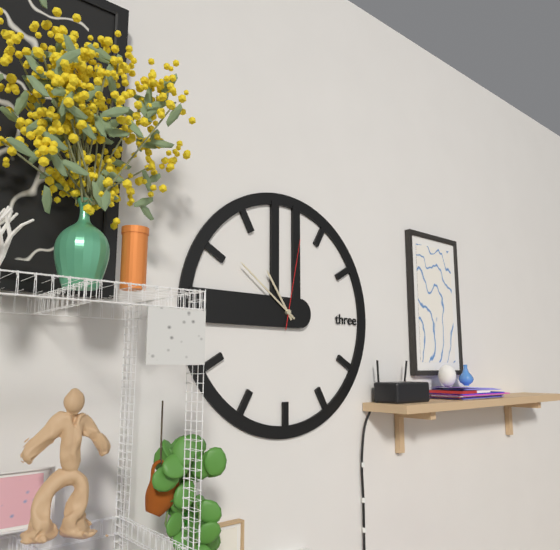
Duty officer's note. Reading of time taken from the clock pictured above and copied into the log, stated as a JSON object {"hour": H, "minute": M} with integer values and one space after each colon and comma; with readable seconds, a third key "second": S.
{"hour": 10, "minute": 51, "second": 2}
